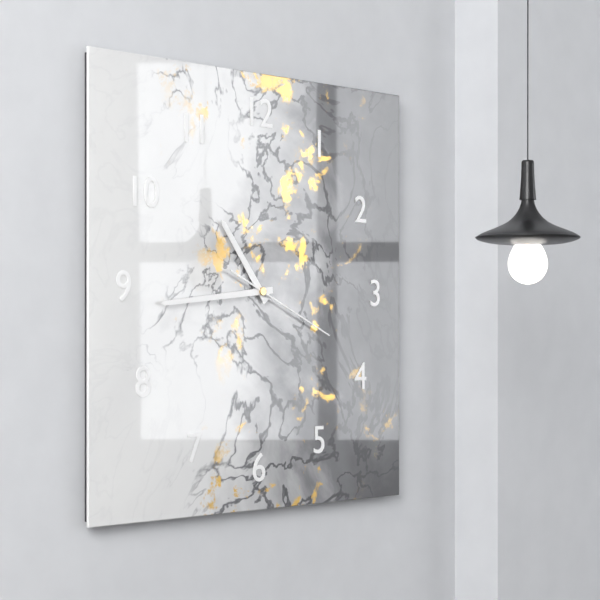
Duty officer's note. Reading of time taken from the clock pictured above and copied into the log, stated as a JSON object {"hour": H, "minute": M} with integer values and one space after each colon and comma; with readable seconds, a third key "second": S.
{"hour": 10, "minute": 44, "second": 19}
